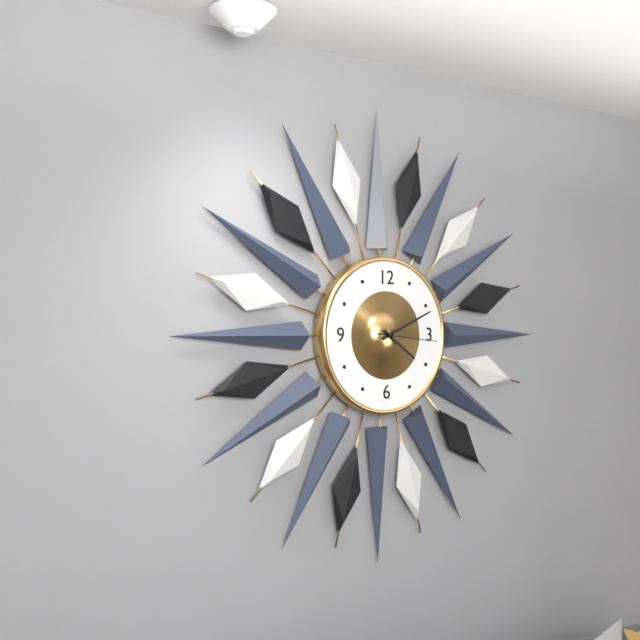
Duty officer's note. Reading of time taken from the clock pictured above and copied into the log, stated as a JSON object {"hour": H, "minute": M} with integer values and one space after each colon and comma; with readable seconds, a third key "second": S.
{"hour": 4, "minute": 11, "second": 16}
